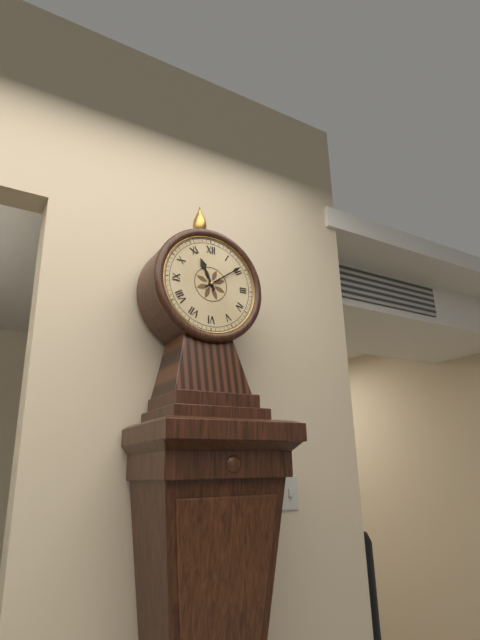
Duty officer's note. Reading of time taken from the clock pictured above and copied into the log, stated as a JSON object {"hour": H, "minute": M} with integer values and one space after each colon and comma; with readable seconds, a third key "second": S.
{"hour": 11, "minute": 9}
